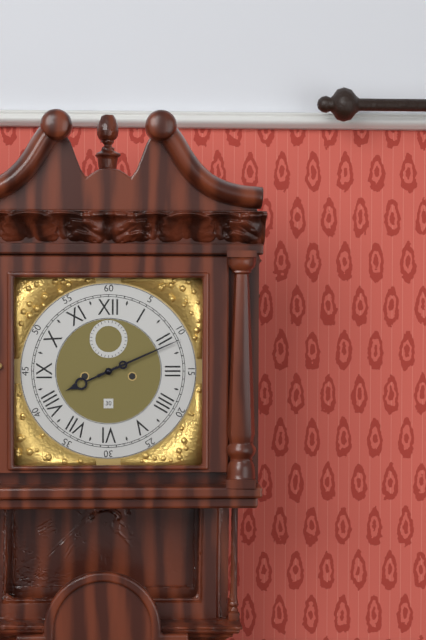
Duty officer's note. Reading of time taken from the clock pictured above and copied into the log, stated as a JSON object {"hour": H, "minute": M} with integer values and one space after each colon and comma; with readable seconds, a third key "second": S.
{"hour": 8, "minute": 11}
